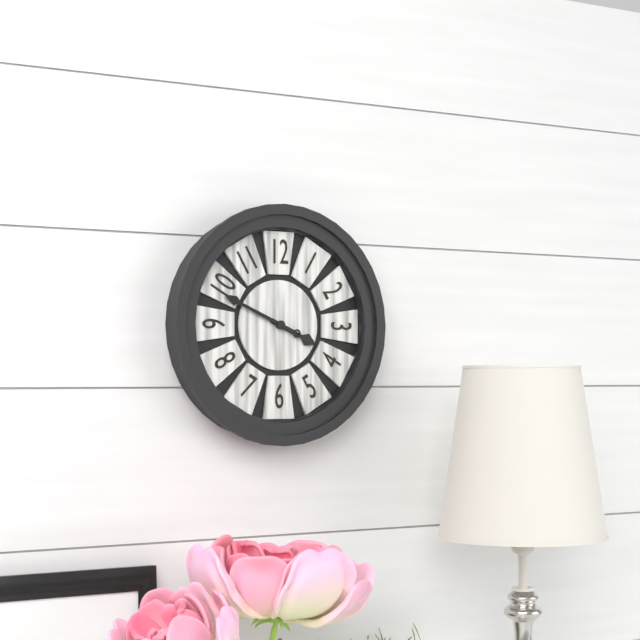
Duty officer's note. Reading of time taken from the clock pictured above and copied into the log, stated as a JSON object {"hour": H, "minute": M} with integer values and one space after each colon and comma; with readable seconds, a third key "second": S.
{"hour": 3, "minute": 49}
